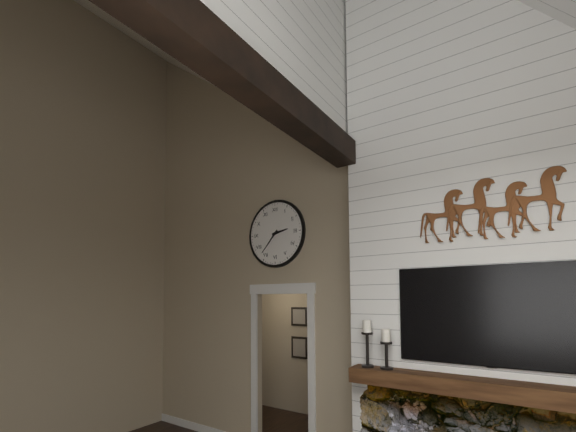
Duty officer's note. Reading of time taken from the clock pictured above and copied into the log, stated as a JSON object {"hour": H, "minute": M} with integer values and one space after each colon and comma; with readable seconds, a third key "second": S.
{"hour": 2, "minute": 37}
